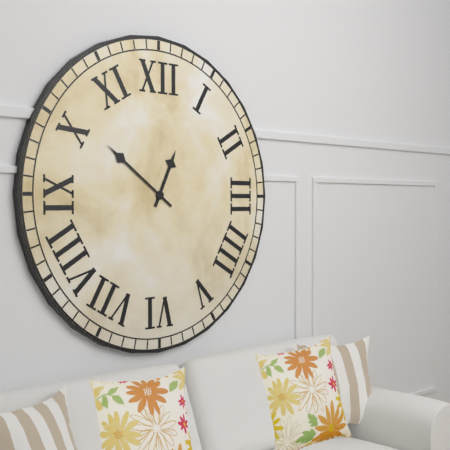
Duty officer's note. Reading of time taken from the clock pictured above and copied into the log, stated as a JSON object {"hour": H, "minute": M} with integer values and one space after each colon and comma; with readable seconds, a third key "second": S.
{"hour": 12, "minute": 51}
